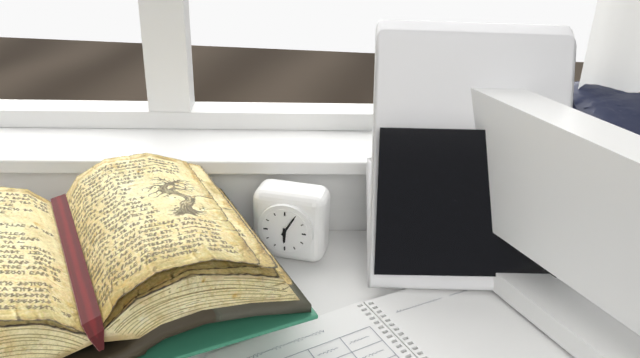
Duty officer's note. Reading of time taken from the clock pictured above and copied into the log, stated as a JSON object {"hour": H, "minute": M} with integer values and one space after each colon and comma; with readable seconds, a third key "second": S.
{"hour": 6, "minute": 5}
